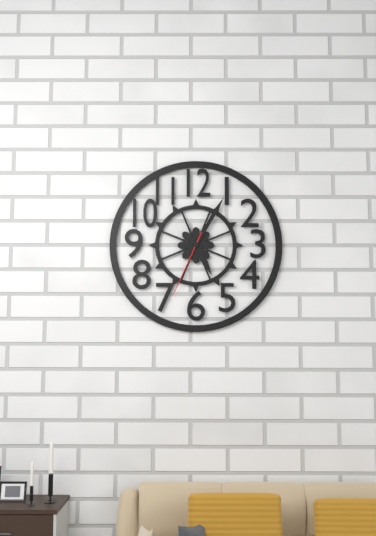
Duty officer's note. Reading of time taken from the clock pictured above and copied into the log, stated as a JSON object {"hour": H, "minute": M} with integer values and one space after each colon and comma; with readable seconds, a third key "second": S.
{"hour": 5, "minute": 5, "second": 34}
